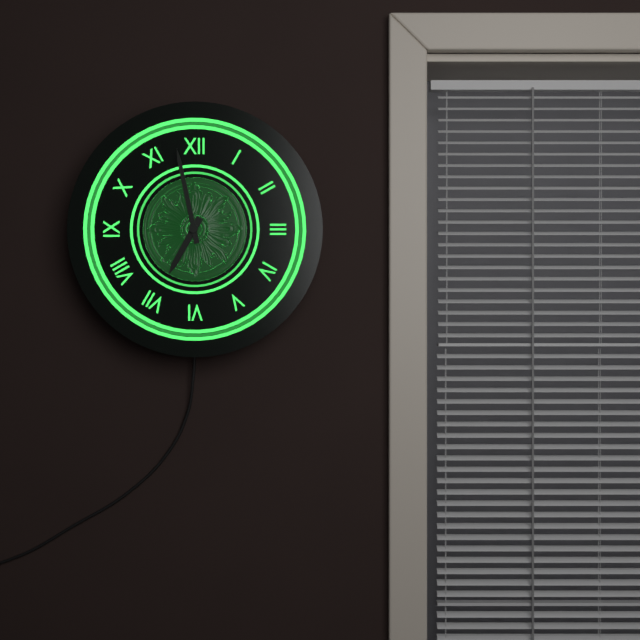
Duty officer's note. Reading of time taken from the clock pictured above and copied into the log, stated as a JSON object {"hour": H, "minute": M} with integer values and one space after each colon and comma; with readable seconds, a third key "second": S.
{"hour": 6, "minute": 58}
